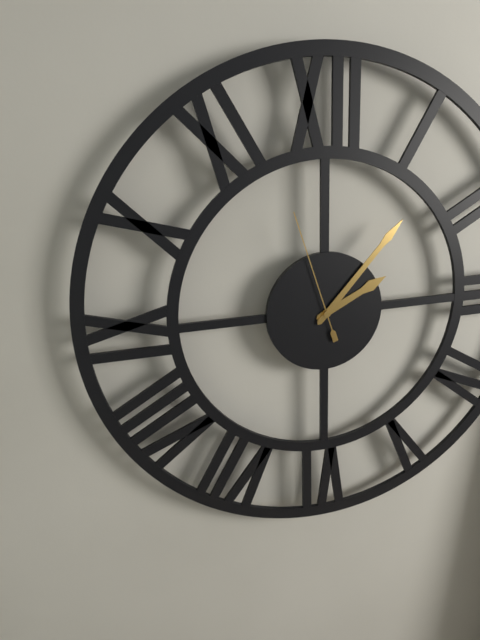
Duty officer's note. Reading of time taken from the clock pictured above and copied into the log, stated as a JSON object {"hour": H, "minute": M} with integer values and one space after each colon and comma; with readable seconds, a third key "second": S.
{"hour": 2, "minute": 7, "second": 57}
